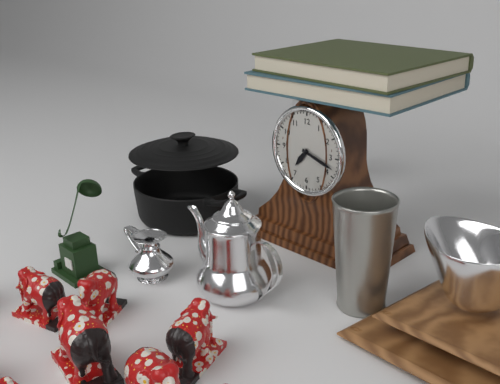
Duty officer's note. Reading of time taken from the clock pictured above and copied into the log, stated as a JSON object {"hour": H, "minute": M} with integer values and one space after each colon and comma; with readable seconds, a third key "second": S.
{"hour": 7, "minute": 18}
